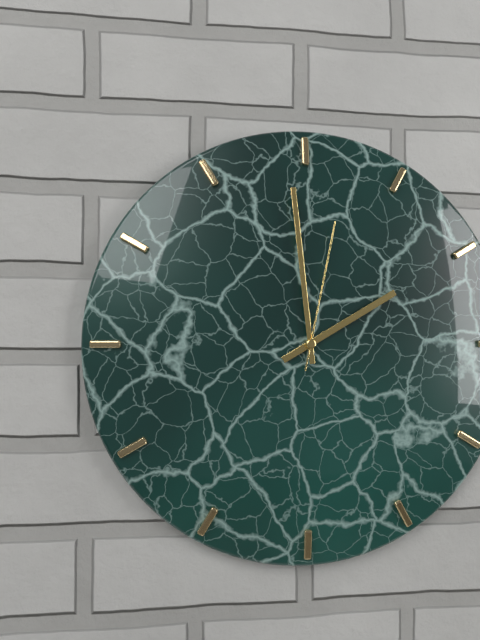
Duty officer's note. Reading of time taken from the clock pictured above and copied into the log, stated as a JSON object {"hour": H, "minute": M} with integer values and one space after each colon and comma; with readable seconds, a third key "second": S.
{"hour": 1, "minute": 59, "second": 2}
